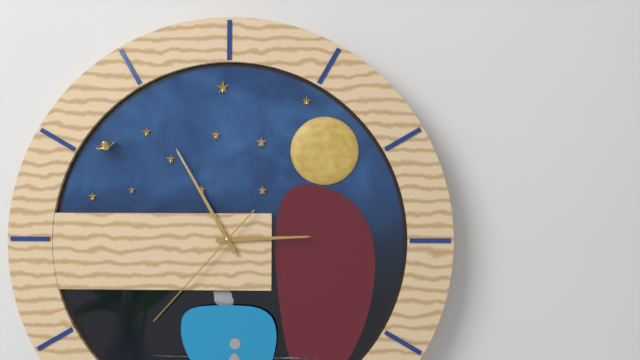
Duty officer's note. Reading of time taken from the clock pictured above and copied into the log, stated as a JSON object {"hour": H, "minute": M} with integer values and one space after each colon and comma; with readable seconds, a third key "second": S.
{"hour": 2, "minute": 55, "second": 37}
